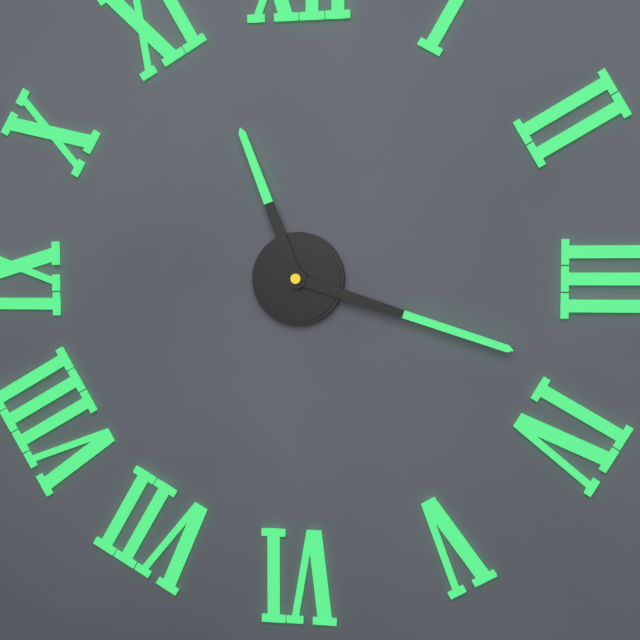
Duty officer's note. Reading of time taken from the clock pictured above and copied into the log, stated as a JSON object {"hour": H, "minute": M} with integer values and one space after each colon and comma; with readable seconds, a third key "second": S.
{"hour": 11, "minute": 18}
